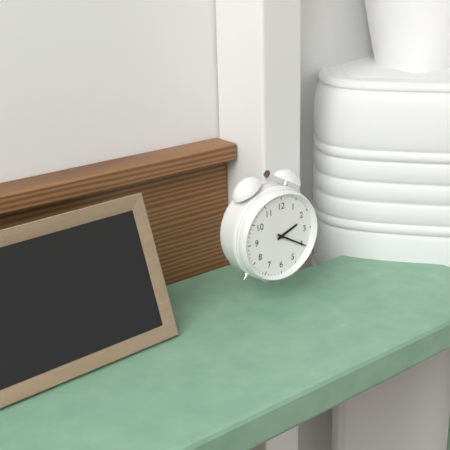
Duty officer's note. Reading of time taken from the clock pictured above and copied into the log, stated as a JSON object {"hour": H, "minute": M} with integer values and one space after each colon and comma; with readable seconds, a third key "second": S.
{"hour": 2, "minute": 20}
